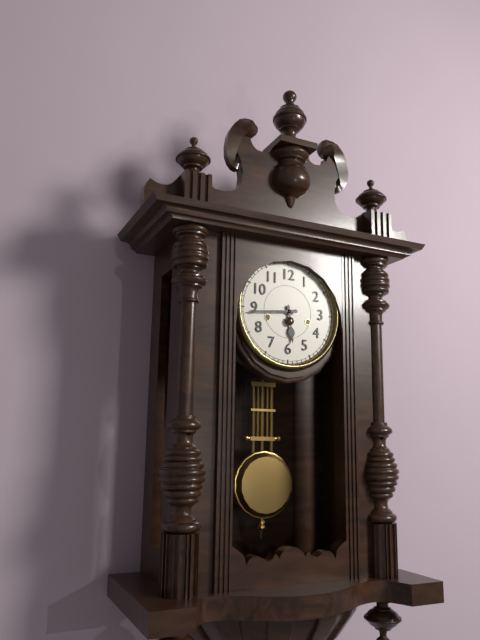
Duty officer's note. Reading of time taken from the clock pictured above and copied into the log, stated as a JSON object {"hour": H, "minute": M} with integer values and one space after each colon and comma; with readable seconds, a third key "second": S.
{"hour": 5, "minute": 44}
